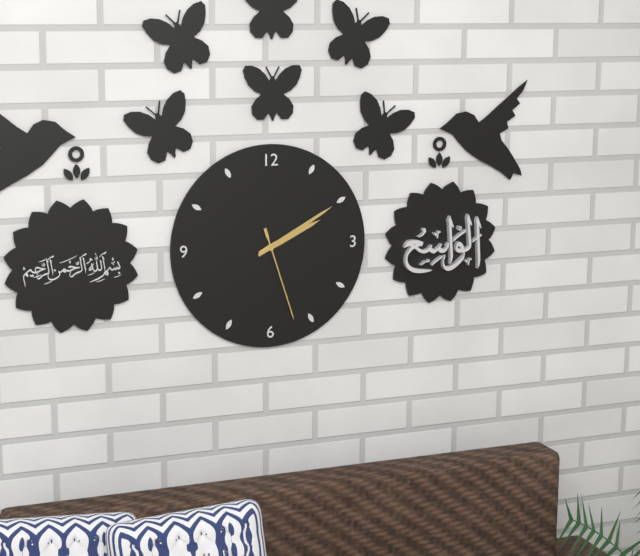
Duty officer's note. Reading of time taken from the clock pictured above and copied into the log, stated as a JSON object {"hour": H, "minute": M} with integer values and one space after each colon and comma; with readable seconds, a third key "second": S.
{"hour": 2, "minute": 10, "second": 27}
